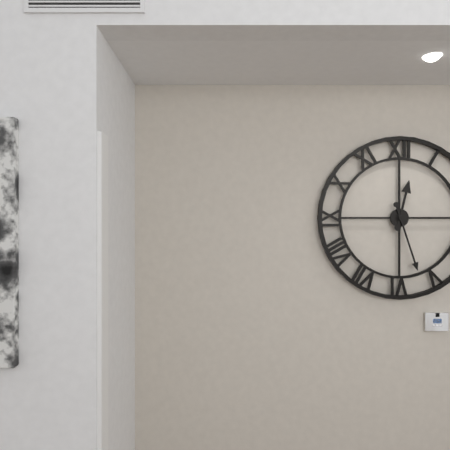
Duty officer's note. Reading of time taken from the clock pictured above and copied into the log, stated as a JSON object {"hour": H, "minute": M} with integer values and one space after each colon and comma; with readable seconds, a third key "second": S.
{"hour": 12, "minute": 27}
